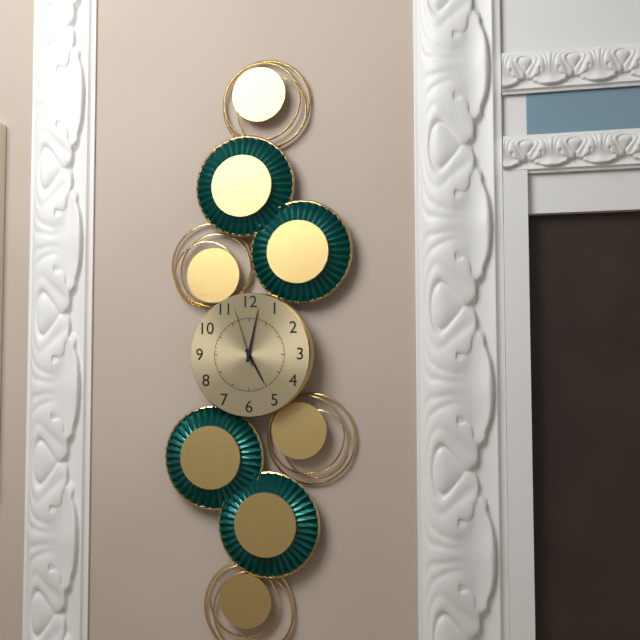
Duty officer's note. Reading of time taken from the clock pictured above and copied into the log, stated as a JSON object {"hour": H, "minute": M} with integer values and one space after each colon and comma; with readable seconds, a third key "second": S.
{"hour": 5, "minute": 2, "second": 57}
